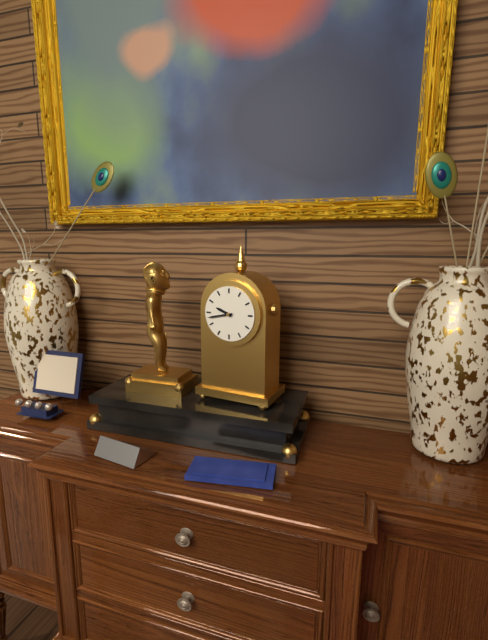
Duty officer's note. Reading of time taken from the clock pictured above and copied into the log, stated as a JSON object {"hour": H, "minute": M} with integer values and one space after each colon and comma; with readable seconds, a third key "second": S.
{"hour": 9, "minute": 43}
